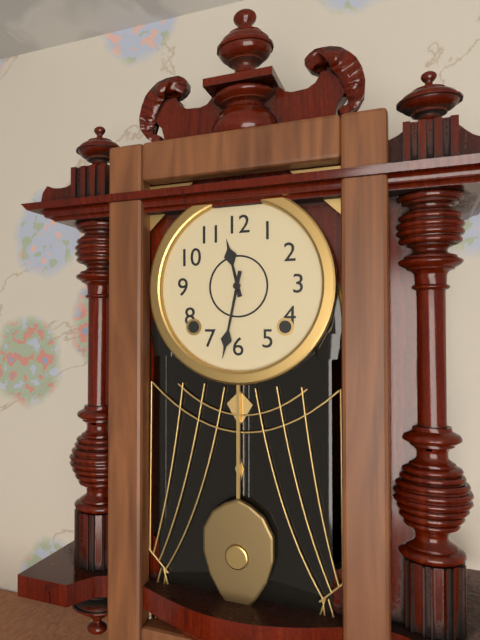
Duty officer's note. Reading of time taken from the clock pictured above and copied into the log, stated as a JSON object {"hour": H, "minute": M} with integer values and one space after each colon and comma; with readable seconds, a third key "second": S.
{"hour": 11, "minute": 32}
